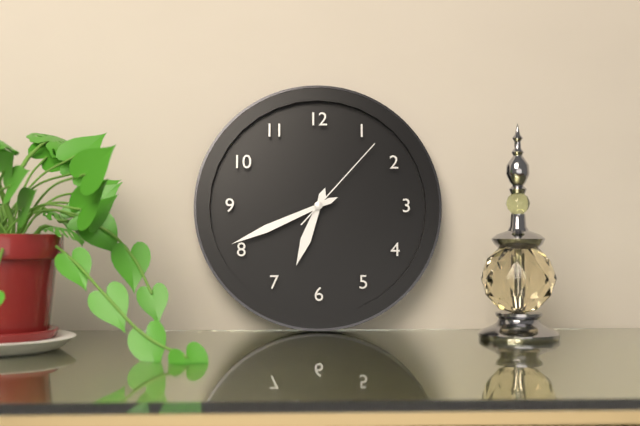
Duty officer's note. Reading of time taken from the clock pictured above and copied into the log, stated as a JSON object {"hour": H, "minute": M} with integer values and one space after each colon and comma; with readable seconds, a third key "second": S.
{"hour": 6, "minute": 41, "second": 7}
